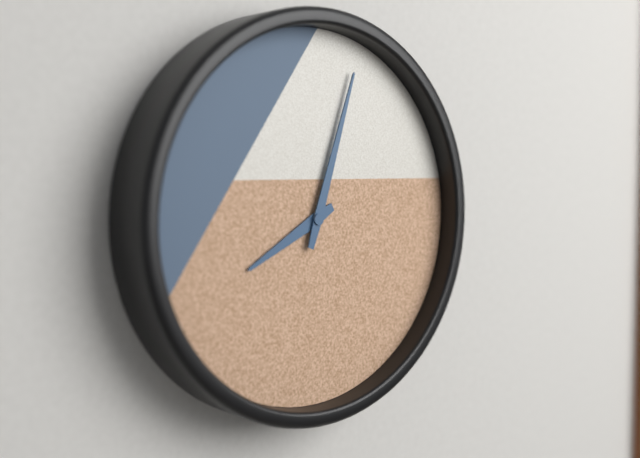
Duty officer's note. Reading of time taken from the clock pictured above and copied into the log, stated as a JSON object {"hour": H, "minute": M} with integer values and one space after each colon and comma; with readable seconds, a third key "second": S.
{"hour": 8, "minute": 3}
